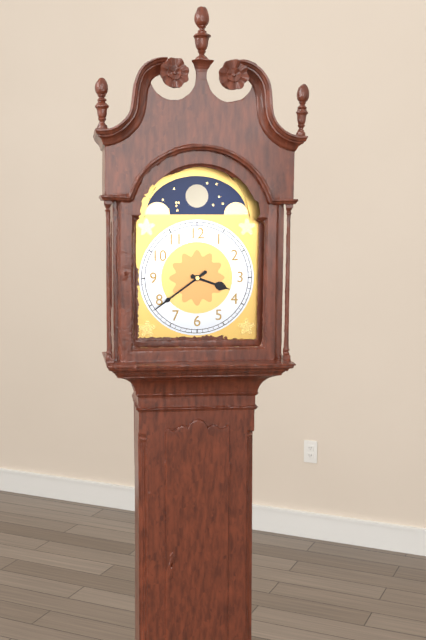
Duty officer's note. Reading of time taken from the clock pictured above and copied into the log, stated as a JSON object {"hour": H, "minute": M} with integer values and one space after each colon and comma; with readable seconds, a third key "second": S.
{"hour": 3, "minute": 39}
